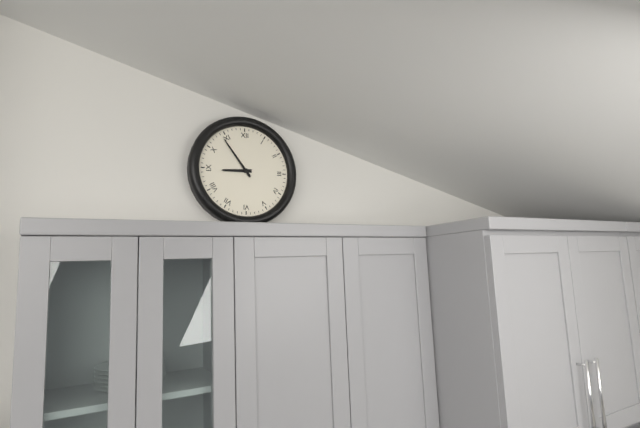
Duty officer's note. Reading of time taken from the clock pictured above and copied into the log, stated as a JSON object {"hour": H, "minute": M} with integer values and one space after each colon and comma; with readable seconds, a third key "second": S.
{"hour": 8, "minute": 54}
